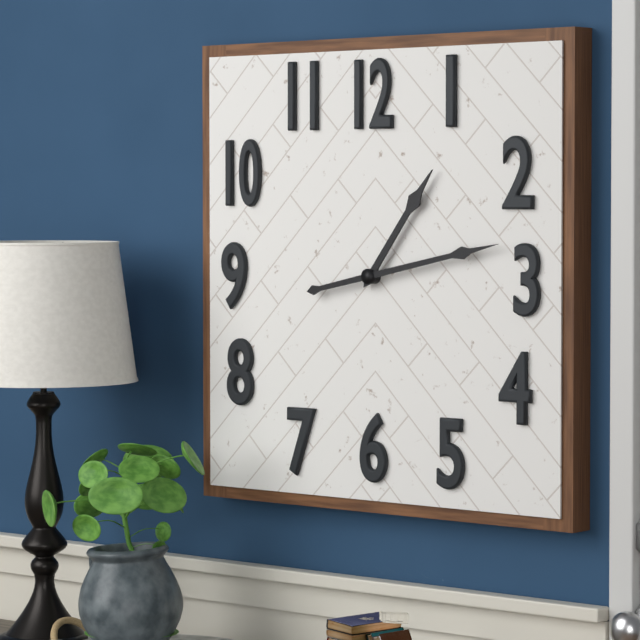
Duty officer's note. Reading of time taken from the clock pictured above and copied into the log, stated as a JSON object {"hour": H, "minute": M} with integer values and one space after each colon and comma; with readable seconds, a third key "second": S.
{"hour": 1, "minute": 13}
